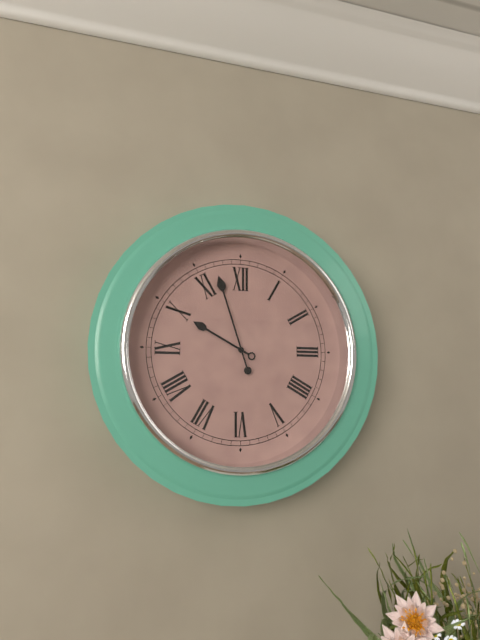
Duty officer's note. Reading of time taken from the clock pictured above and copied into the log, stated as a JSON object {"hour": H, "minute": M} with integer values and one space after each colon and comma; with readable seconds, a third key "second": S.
{"hour": 9, "minute": 57}
